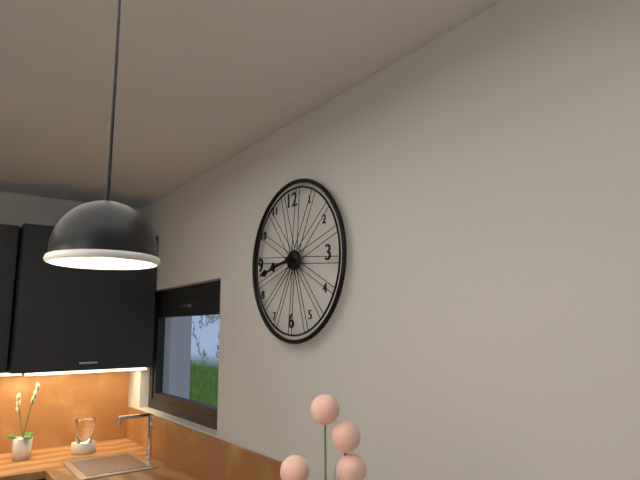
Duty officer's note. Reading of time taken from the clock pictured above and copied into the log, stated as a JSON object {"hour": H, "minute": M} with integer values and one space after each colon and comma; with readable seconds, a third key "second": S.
{"hour": 8, "minute": 43}
